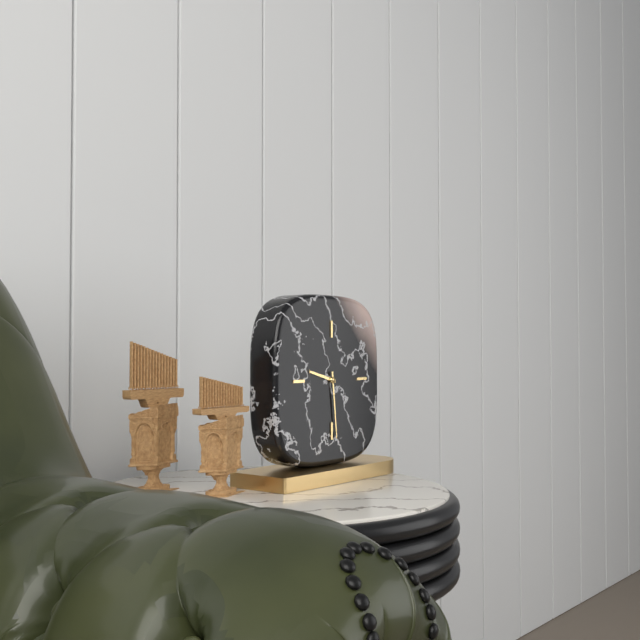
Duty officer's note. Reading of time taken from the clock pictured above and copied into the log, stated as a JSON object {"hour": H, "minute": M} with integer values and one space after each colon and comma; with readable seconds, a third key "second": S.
{"hour": 9, "minute": 29}
